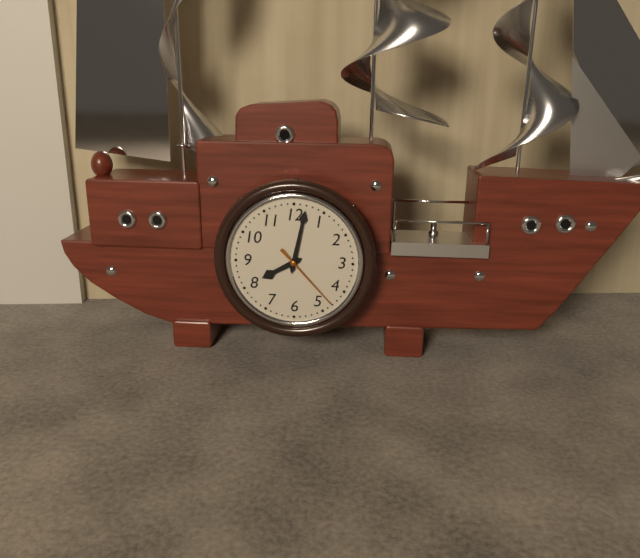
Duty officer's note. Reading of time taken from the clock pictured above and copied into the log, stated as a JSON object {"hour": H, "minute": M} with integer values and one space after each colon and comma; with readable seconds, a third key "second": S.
{"hour": 8, "minute": 2, "second": 23}
